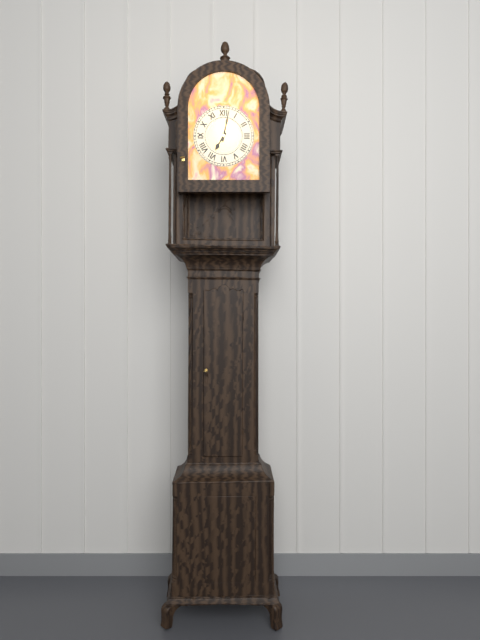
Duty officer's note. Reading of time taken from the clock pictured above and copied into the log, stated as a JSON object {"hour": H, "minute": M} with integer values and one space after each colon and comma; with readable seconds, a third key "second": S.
{"hour": 7, "minute": 2}
